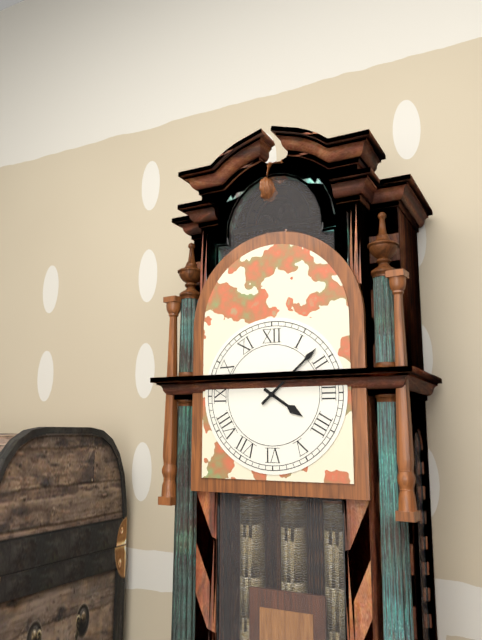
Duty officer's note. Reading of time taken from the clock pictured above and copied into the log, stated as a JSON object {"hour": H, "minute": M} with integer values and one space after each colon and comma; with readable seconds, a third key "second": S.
{"hour": 4, "minute": 8}
